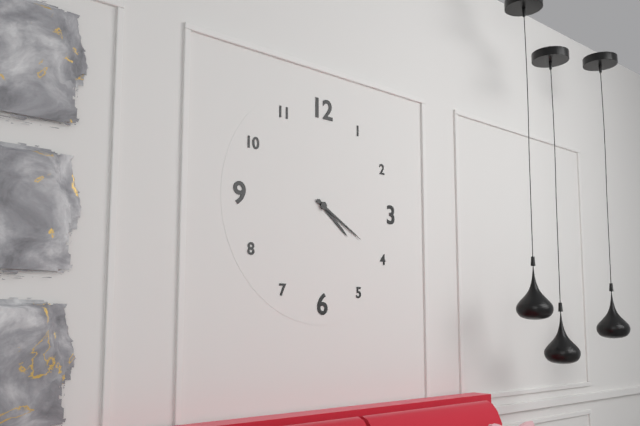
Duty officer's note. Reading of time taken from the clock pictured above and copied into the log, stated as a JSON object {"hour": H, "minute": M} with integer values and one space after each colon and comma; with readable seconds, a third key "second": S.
{"hour": 4, "minute": 20}
